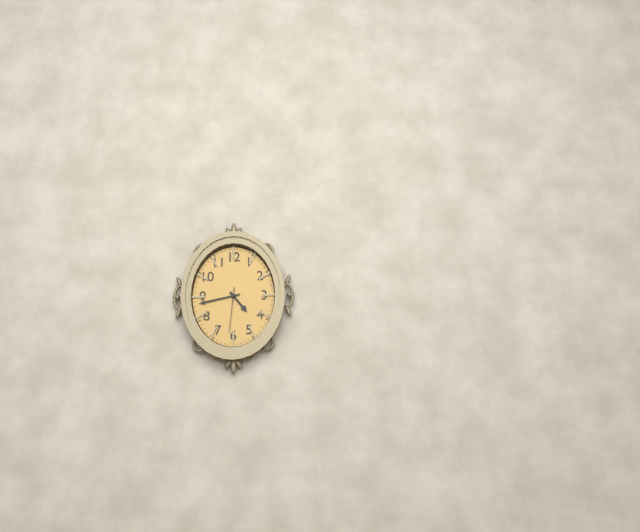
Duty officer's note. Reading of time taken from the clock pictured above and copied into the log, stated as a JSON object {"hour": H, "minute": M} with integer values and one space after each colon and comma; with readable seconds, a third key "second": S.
{"hour": 4, "minute": 43}
